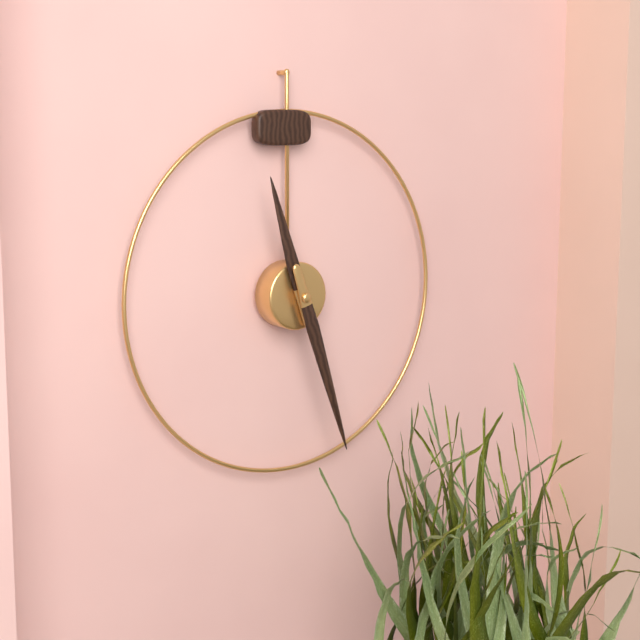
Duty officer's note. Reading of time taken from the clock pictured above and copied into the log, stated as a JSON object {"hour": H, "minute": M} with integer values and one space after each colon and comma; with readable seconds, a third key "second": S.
{"hour": 11, "minute": 27}
